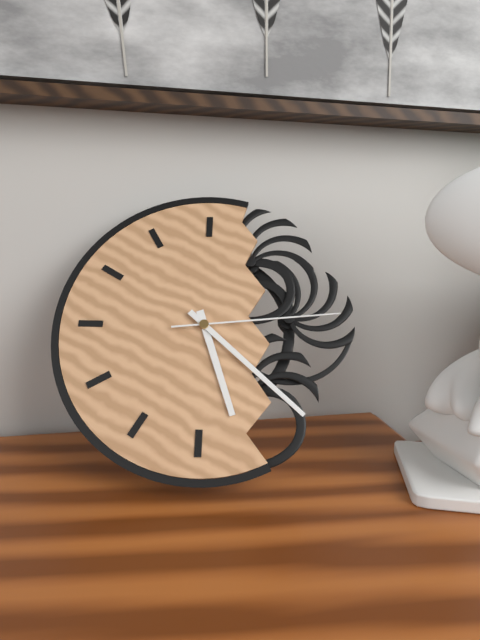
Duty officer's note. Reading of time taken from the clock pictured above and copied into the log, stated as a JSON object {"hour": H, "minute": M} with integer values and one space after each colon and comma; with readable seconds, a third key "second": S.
{"hour": 5, "minute": 22, "second": 14}
